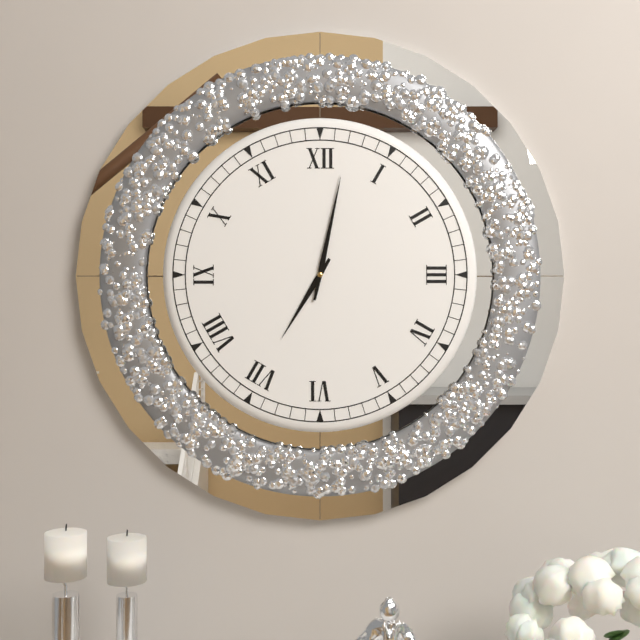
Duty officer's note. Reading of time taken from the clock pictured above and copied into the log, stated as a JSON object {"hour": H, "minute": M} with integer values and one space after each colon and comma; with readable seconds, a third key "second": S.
{"hour": 7, "minute": 2}
